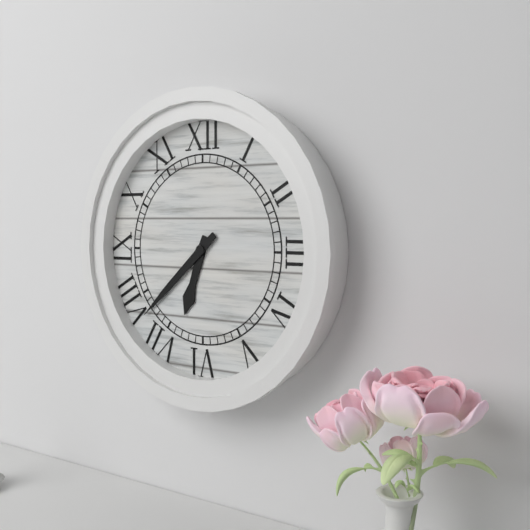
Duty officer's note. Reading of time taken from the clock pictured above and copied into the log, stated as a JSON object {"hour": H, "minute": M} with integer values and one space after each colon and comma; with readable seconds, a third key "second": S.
{"hour": 6, "minute": 38}
